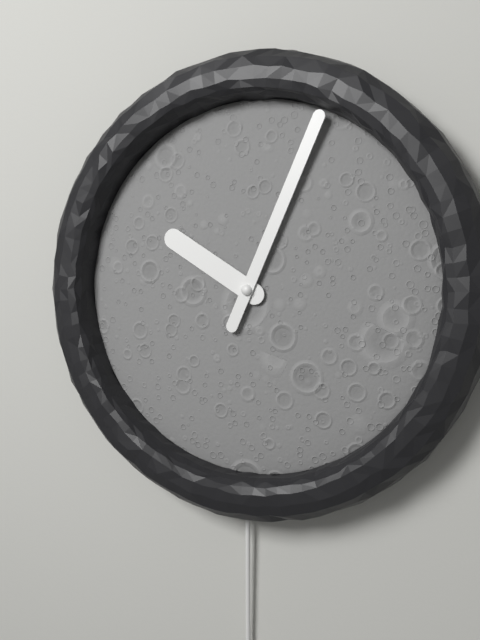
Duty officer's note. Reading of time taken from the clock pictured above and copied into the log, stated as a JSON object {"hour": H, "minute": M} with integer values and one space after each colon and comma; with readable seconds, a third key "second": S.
{"hour": 10, "minute": 4}
